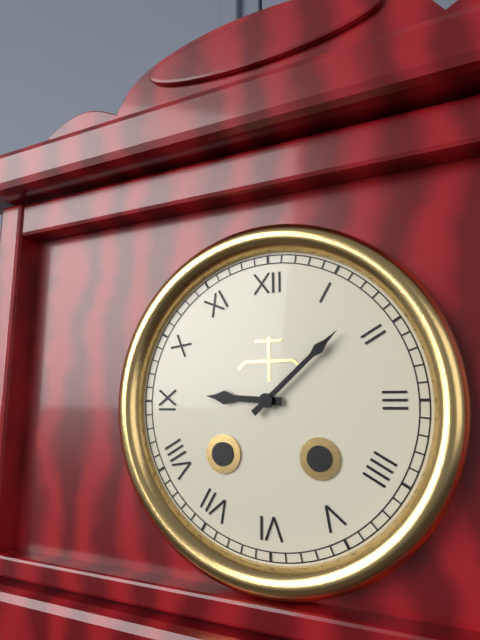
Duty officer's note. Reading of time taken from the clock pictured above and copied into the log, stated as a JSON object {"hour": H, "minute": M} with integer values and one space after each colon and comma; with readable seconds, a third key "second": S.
{"hour": 9, "minute": 8}
